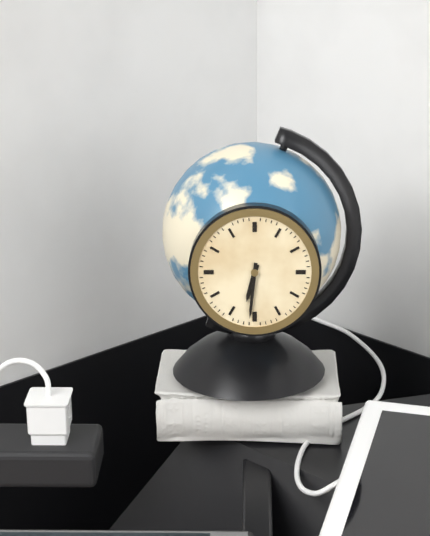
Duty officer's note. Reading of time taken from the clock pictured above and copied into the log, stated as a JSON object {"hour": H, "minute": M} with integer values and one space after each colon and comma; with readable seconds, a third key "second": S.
{"hour": 6, "minute": 31}
